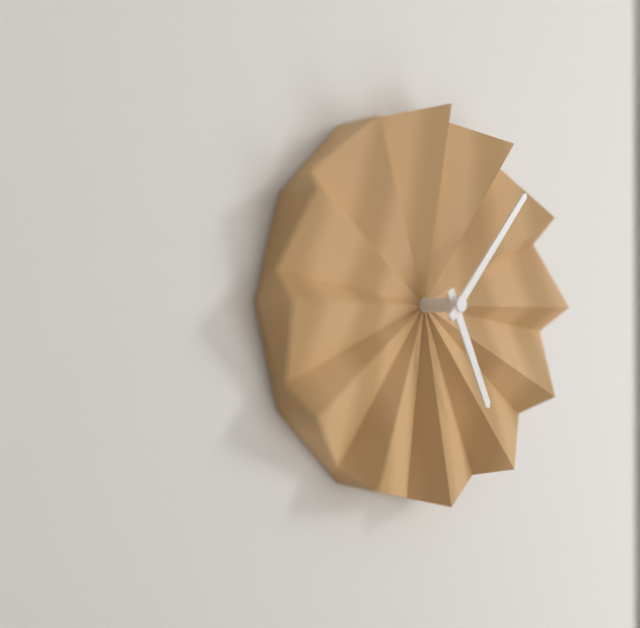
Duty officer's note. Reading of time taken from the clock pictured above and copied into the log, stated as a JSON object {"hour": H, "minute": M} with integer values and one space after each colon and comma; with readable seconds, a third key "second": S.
{"hour": 5, "minute": 7}
